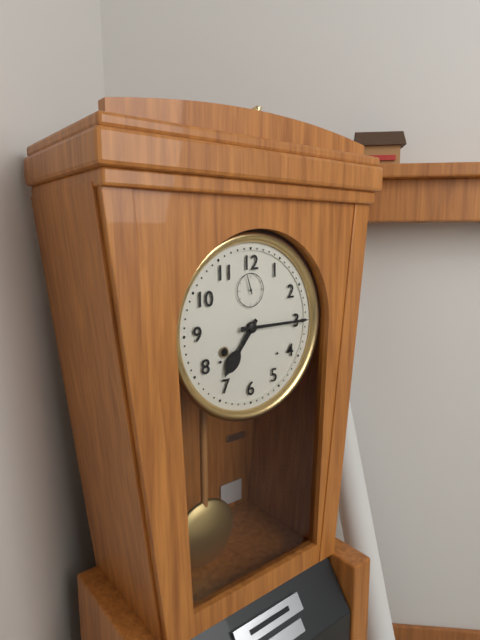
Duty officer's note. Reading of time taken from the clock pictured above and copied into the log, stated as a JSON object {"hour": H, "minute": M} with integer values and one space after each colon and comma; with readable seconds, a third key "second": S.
{"hour": 7, "minute": 15}
